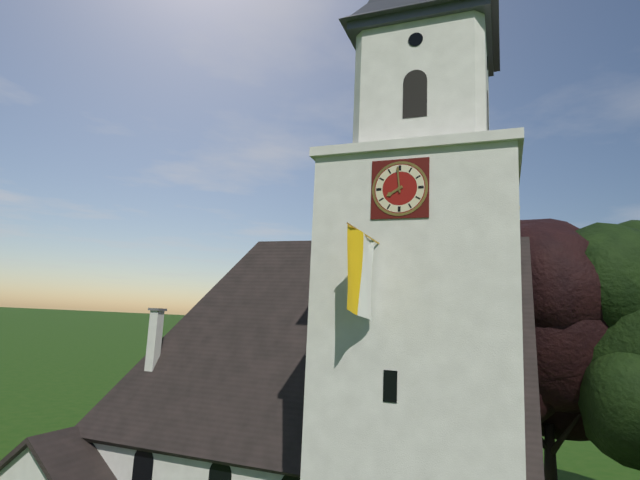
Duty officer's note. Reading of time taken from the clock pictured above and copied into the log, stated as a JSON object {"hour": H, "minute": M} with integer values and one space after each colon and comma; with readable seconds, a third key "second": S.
{"hour": 7, "minute": 59}
